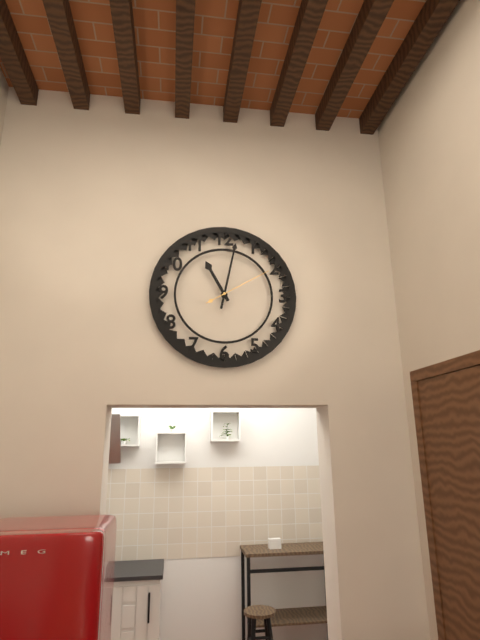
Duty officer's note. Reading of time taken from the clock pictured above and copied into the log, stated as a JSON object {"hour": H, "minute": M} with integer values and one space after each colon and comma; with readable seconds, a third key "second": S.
{"hour": 11, "minute": 2, "second": 10}
